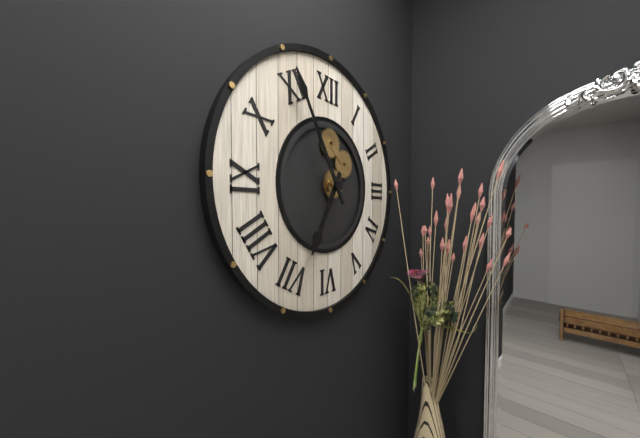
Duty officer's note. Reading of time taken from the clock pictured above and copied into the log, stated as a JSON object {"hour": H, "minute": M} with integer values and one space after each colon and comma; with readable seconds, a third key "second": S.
{"hour": 6, "minute": 55}
